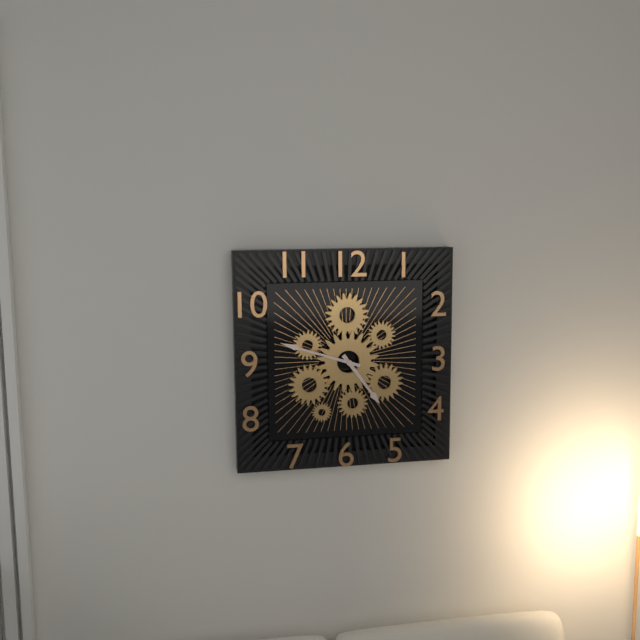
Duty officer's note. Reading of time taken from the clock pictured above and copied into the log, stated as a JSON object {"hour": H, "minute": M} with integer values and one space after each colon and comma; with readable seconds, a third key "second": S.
{"hour": 4, "minute": 48}
